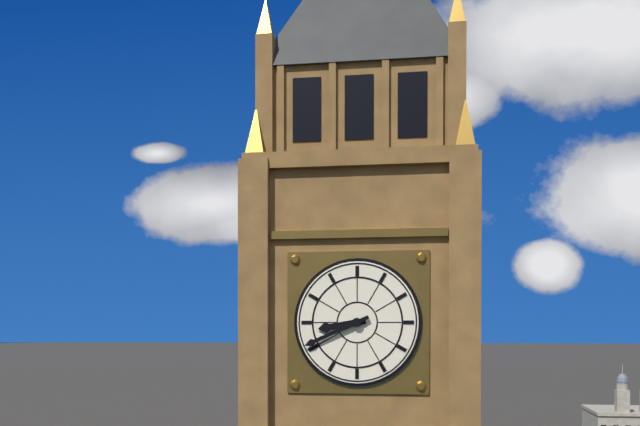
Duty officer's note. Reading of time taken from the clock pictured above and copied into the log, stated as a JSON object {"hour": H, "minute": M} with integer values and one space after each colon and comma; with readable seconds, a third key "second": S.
{"hour": 8, "minute": 41}
